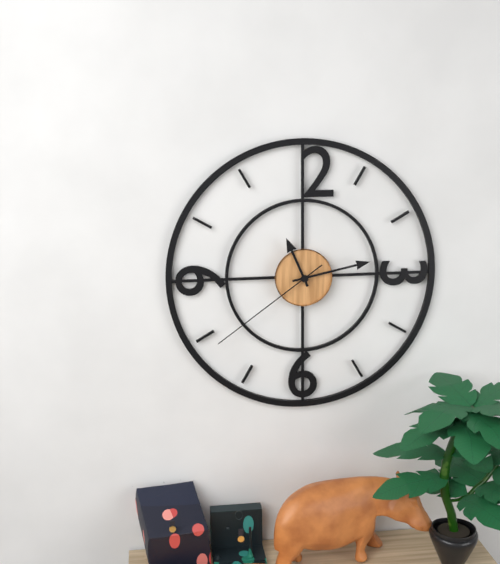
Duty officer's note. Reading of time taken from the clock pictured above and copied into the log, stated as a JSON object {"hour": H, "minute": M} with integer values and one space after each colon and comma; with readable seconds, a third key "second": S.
{"hour": 11, "minute": 13, "second": 39}
